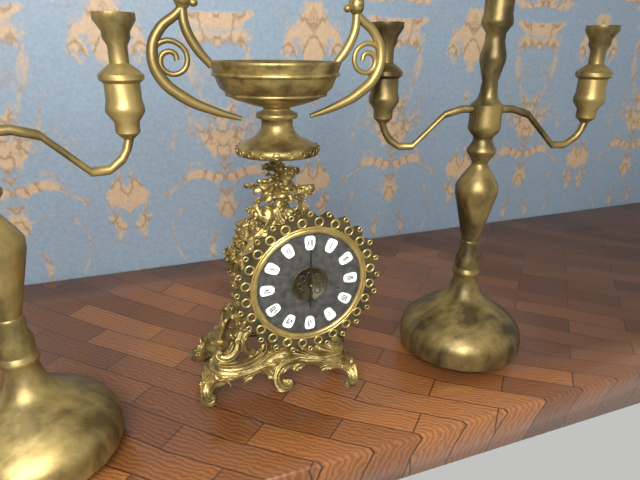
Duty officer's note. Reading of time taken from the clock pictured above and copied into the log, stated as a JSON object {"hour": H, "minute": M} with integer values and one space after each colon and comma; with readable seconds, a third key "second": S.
{"hour": 6, "minute": 0}
